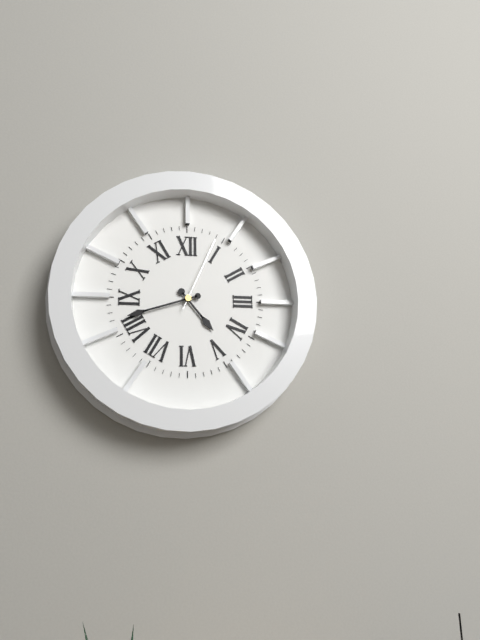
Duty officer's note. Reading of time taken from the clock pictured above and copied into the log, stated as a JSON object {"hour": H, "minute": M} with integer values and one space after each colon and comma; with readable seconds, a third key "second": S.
{"hour": 4, "minute": 42, "second": 4}
